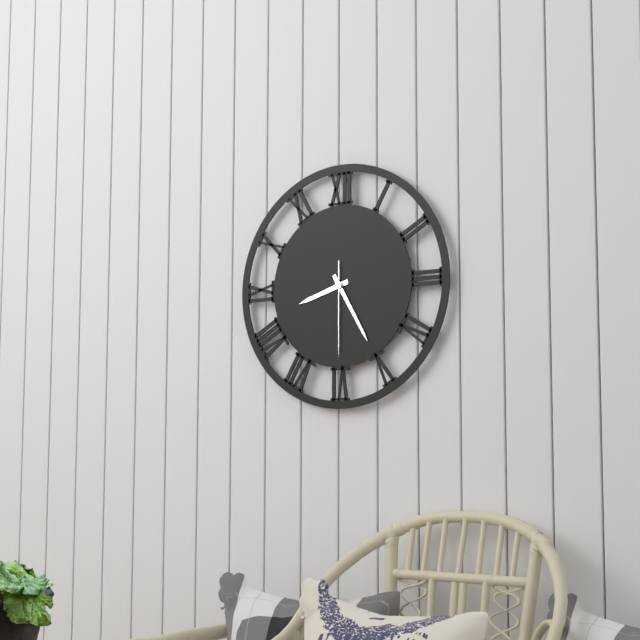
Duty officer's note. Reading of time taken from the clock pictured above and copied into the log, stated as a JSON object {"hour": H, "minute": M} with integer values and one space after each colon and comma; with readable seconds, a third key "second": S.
{"hour": 8, "minute": 25, "second": 30}
